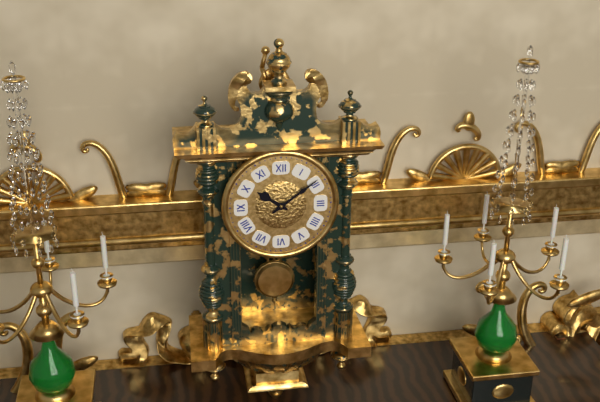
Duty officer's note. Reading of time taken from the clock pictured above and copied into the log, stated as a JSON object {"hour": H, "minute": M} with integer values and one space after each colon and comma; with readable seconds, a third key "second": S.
{"hour": 10, "minute": 9}
